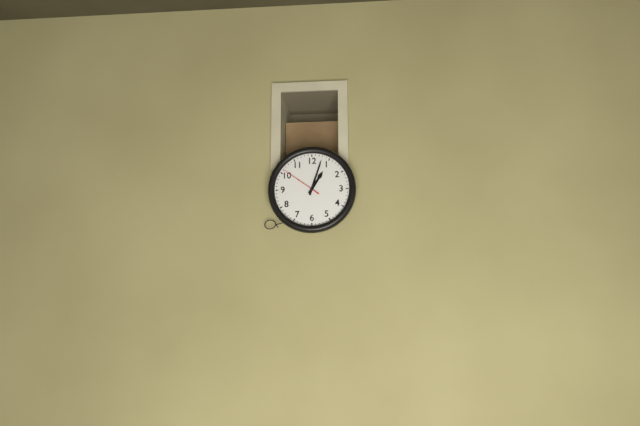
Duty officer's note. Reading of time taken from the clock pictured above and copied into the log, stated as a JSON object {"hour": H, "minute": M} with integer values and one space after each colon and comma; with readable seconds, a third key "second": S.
{"hour": 1, "minute": 3}
